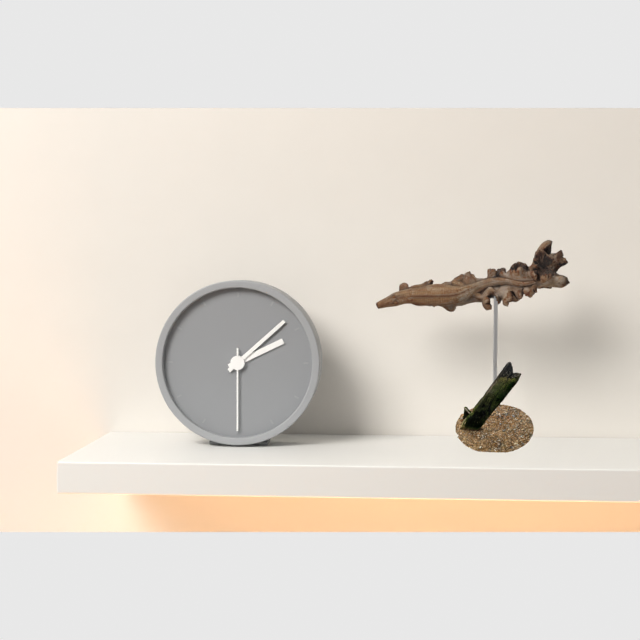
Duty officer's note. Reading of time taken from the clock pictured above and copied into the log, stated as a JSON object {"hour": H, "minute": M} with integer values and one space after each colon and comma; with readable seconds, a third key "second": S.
{"hour": 2, "minute": 8, "second": 30}
